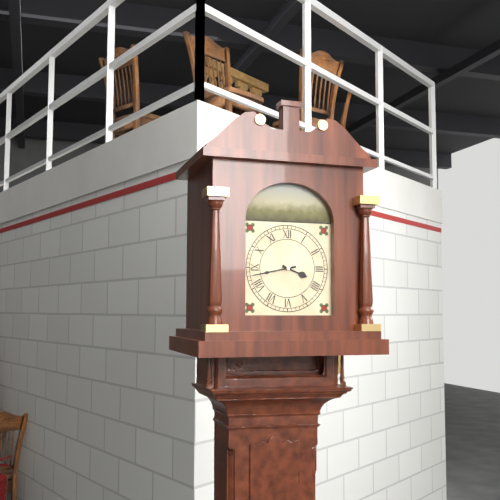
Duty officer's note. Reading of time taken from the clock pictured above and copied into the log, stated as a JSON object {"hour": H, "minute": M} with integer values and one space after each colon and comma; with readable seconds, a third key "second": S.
{"hour": 3, "minute": 43}
